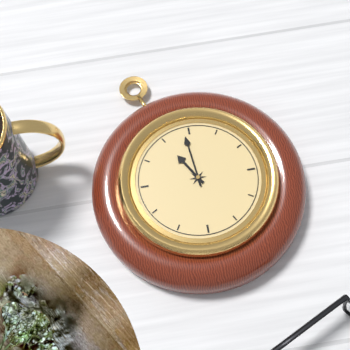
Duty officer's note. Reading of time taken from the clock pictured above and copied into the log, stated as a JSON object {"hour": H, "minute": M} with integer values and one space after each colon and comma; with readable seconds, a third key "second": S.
{"hour": 10, "minute": 59}
